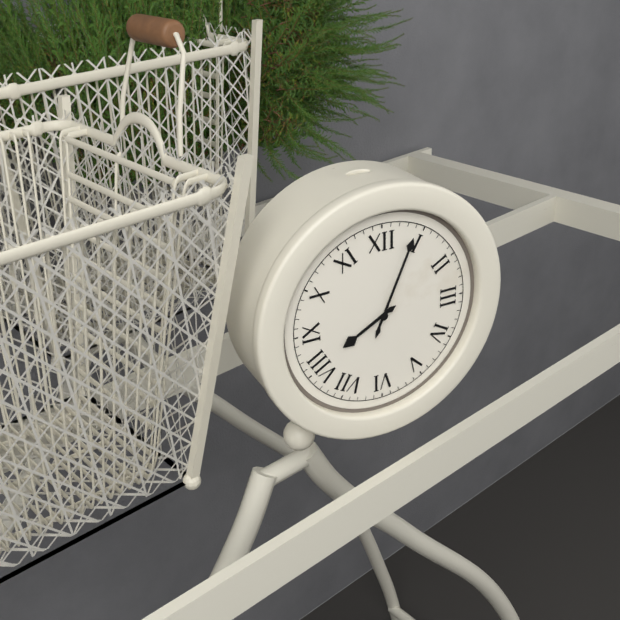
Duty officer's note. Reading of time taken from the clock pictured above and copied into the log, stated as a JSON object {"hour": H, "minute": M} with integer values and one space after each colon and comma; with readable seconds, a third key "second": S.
{"hour": 8, "minute": 4}
